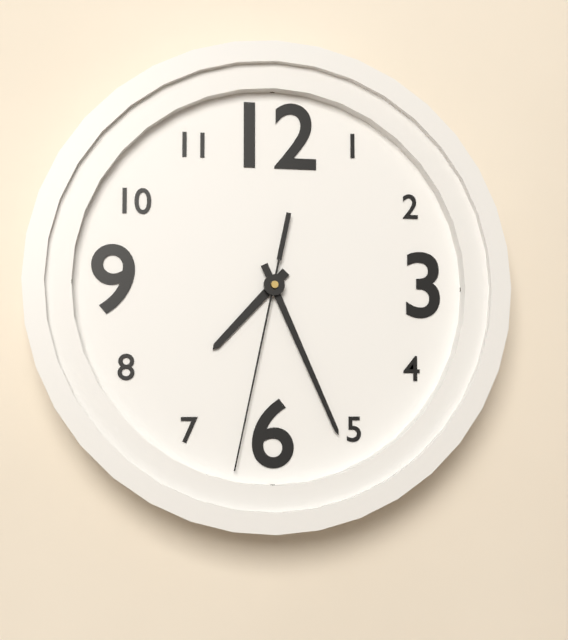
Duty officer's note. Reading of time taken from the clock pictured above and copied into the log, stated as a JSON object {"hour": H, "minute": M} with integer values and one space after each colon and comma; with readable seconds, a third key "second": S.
{"hour": 7, "minute": 26, "second": 32}
